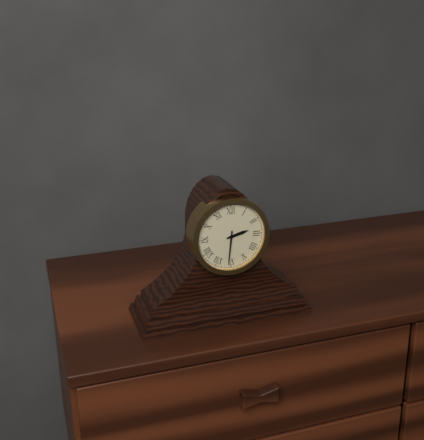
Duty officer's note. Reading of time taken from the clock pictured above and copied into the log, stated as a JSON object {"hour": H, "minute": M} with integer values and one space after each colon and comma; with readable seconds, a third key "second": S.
{"hour": 2, "minute": 31}
